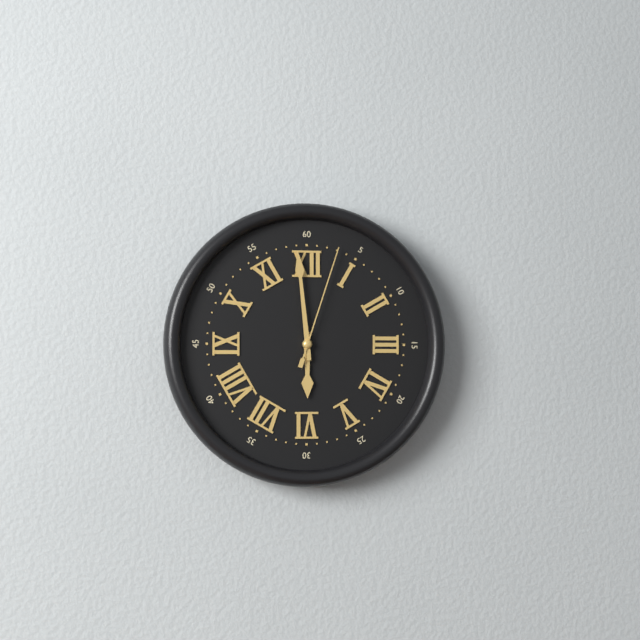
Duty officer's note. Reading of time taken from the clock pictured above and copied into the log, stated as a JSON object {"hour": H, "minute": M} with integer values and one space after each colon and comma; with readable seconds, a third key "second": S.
{"hour": 5, "minute": 59, "second": 3}
